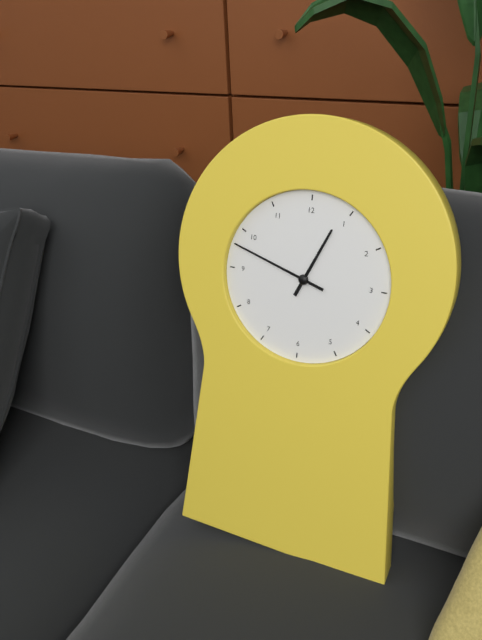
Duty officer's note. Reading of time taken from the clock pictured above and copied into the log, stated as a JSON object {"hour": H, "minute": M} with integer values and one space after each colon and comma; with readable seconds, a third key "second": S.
{"hour": 12, "minute": 48}
